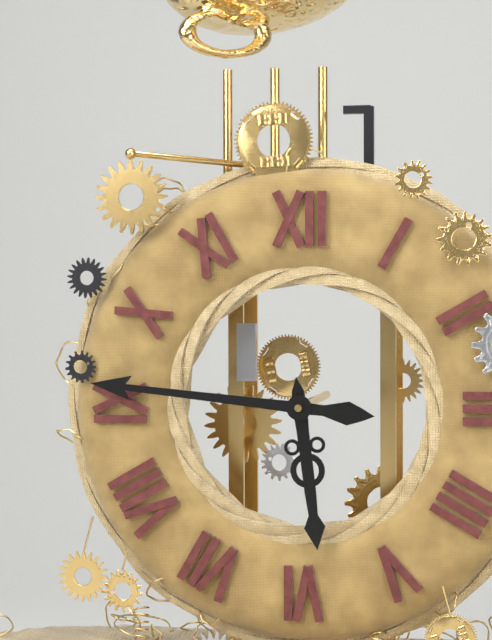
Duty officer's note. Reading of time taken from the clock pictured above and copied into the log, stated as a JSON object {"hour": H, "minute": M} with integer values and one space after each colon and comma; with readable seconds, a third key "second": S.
{"hour": 5, "minute": 46}
